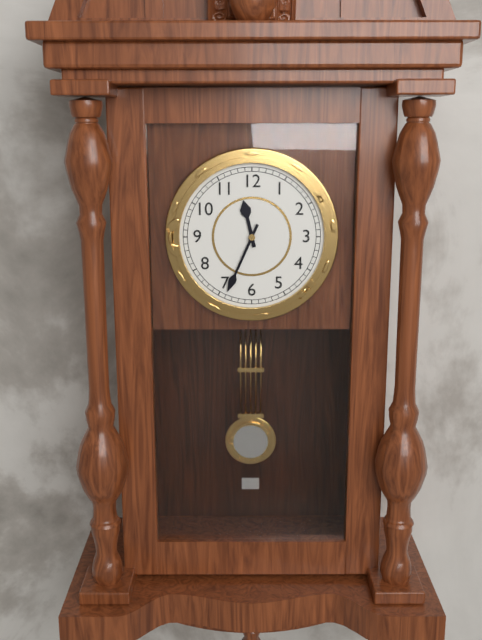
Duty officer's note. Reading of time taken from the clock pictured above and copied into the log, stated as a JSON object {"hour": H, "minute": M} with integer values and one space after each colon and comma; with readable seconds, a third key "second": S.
{"hour": 11, "minute": 34}
